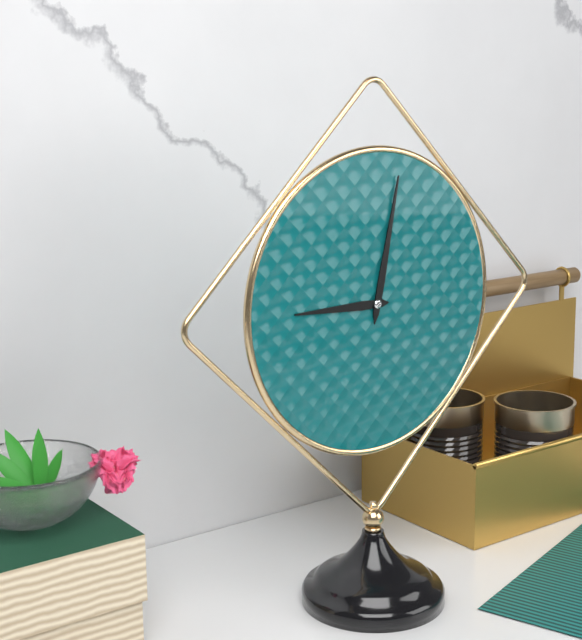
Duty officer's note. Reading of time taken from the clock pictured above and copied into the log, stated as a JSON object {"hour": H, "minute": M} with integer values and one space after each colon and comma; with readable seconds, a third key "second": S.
{"hour": 9, "minute": 2}
